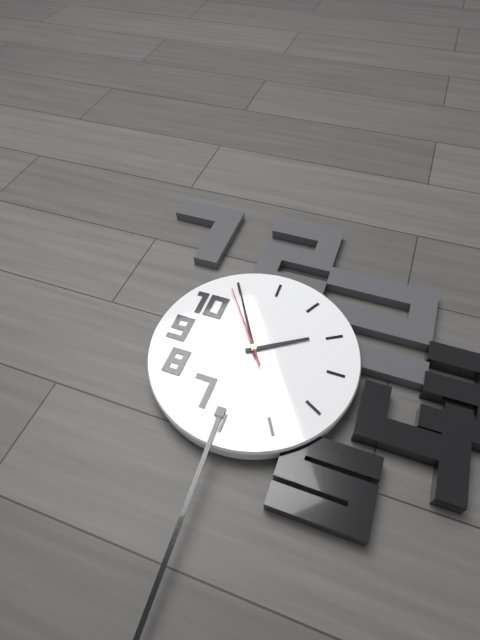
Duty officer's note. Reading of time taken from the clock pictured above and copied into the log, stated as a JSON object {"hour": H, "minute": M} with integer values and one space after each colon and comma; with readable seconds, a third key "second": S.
{"hour": 1, "minute": 55, "second": 54}
